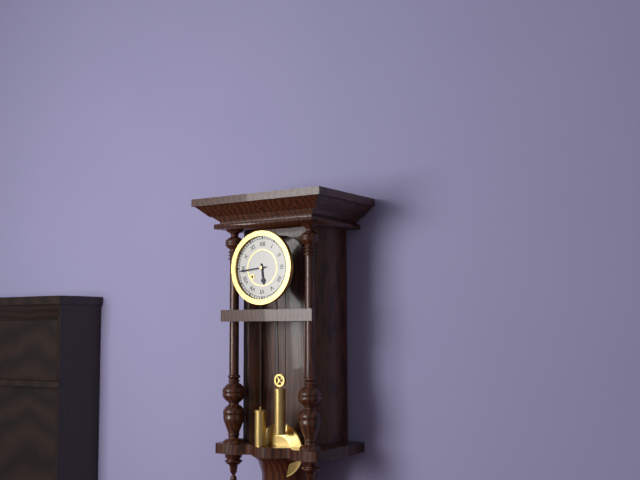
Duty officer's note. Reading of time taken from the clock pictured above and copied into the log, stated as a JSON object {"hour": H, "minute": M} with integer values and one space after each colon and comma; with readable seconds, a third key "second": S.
{"hour": 5, "minute": 44}
